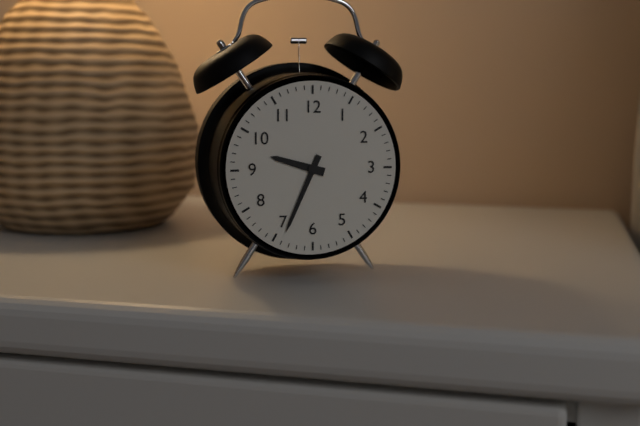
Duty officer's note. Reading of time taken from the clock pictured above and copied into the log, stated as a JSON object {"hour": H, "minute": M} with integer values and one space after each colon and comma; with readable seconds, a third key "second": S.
{"hour": 9, "minute": 34}
